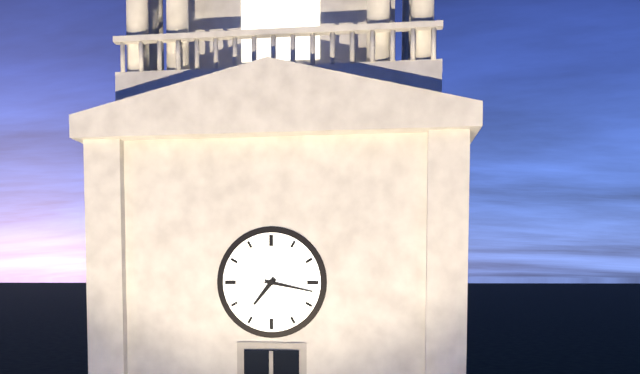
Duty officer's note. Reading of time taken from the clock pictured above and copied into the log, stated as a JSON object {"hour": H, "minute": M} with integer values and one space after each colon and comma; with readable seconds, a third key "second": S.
{"hour": 7, "minute": 17}
